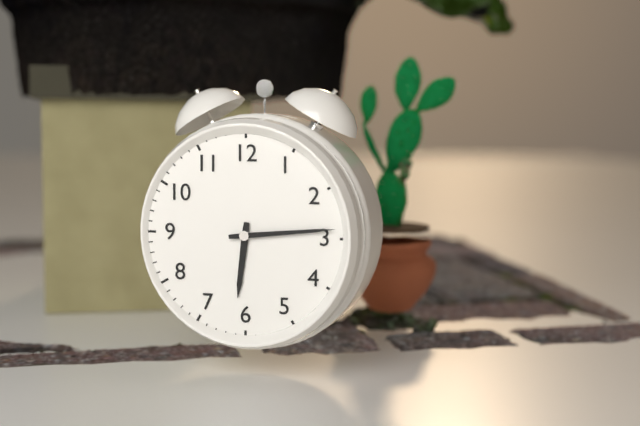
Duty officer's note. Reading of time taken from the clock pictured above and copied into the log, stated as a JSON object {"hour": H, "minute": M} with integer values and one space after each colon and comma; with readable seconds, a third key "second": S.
{"hour": 6, "minute": 14}
